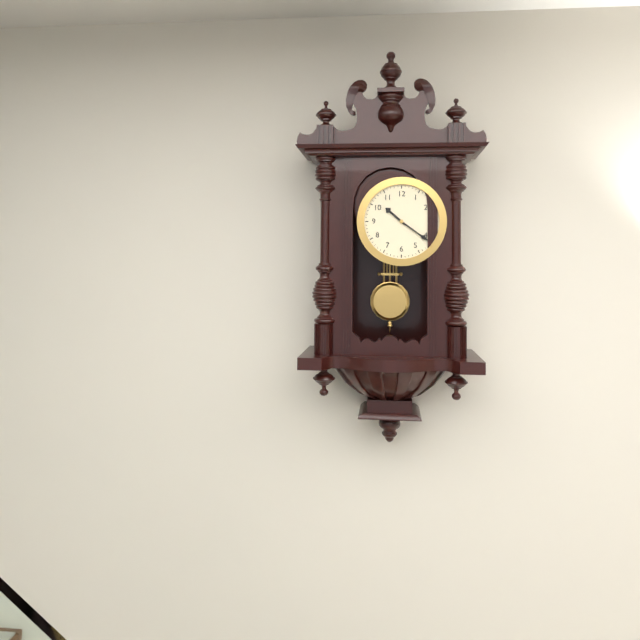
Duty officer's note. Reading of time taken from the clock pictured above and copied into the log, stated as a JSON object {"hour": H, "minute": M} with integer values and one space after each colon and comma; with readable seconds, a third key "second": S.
{"hour": 10, "minute": 21}
